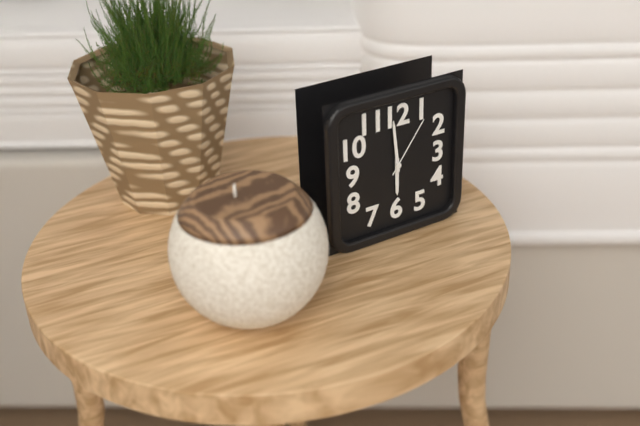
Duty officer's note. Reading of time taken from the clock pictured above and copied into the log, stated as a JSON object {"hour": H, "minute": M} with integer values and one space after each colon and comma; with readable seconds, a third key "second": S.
{"hour": 5, "minute": 59, "second": 6}
